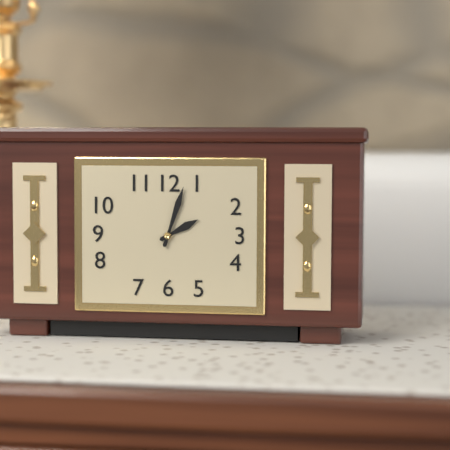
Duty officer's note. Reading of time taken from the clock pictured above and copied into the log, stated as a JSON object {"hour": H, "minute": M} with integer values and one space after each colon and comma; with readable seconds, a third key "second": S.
{"hour": 2, "minute": 3}
